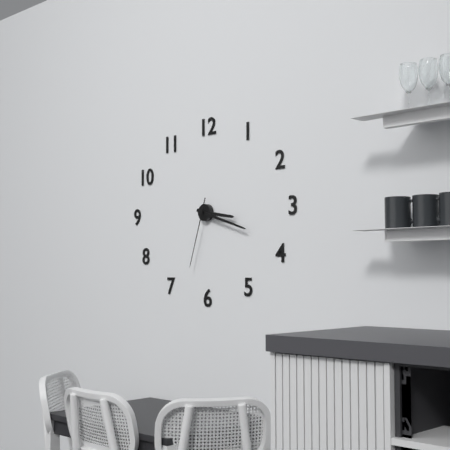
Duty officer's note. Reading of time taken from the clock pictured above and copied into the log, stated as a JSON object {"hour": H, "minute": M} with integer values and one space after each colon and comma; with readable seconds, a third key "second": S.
{"hour": 3, "minute": 18, "second": 33}
